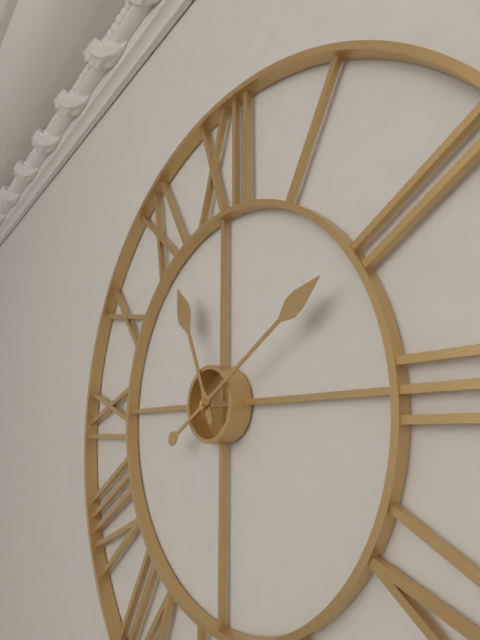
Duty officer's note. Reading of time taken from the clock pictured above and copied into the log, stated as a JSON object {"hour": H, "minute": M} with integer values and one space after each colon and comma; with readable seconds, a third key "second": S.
{"hour": 11, "minute": 10}
